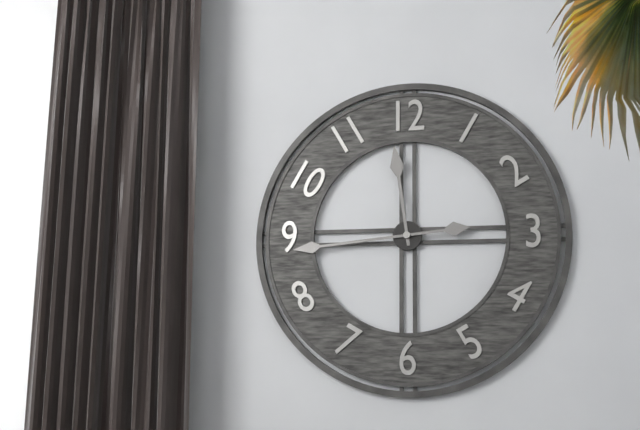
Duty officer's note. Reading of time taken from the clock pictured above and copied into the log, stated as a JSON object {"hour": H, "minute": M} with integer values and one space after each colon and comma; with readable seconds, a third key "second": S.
{"hour": 11, "minute": 44}
